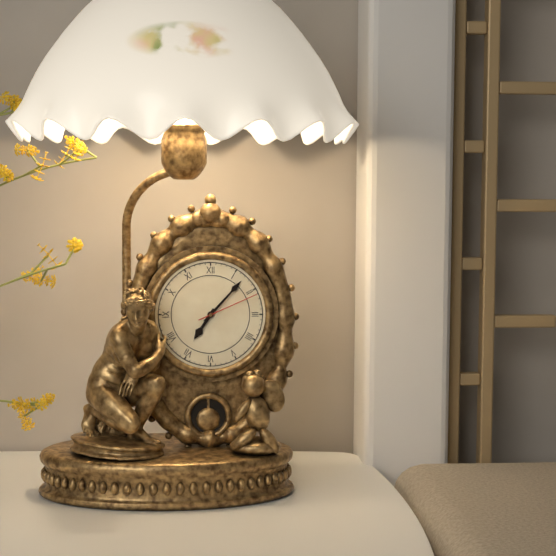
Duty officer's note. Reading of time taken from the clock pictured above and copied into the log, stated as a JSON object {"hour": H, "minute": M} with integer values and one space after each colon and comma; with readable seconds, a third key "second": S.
{"hour": 7, "minute": 7, "second": 11}
